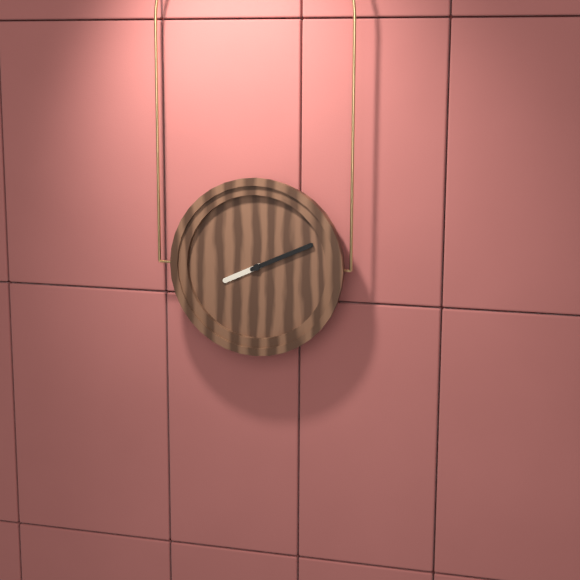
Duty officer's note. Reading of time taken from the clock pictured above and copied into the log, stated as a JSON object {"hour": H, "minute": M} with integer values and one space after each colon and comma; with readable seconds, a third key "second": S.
{"hour": 8, "minute": 11}
